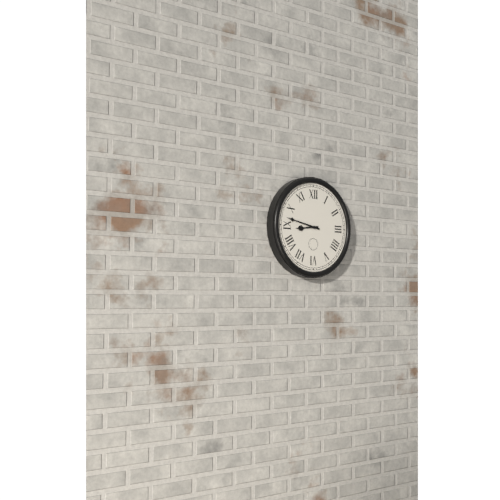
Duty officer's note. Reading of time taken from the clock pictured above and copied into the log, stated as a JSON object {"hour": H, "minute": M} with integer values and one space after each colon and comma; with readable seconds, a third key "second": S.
{"hour": 8, "minute": 47}
